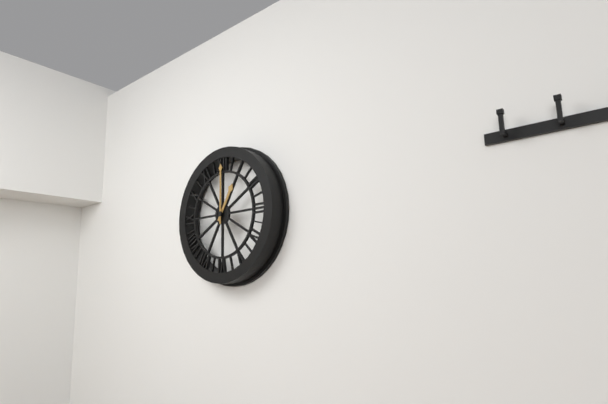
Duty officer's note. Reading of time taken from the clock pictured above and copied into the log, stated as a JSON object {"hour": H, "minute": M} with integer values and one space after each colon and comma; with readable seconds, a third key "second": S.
{"hour": 1, "minute": 0}
